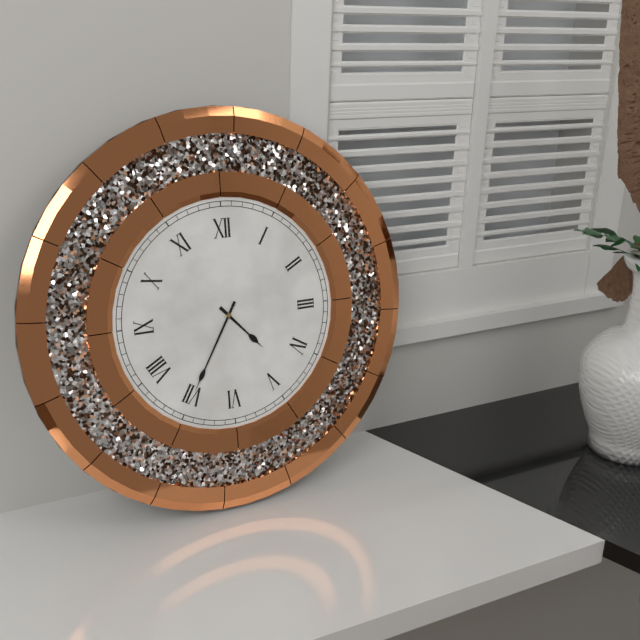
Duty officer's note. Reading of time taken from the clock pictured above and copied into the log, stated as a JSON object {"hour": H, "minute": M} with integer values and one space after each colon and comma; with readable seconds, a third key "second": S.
{"hour": 4, "minute": 35}
